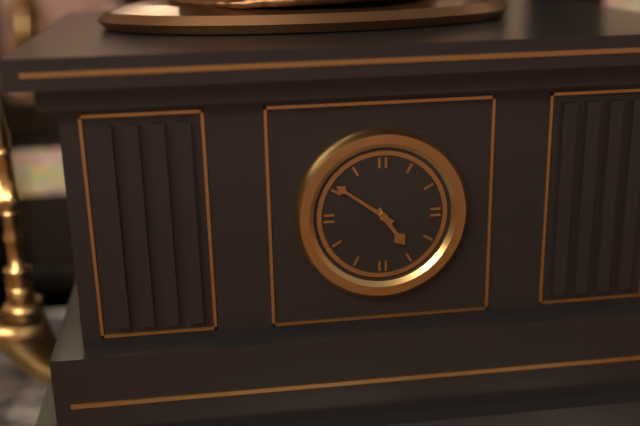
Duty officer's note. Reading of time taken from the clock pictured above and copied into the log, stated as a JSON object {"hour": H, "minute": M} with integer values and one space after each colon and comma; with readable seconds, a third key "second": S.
{"hour": 4, "minute": 51}
